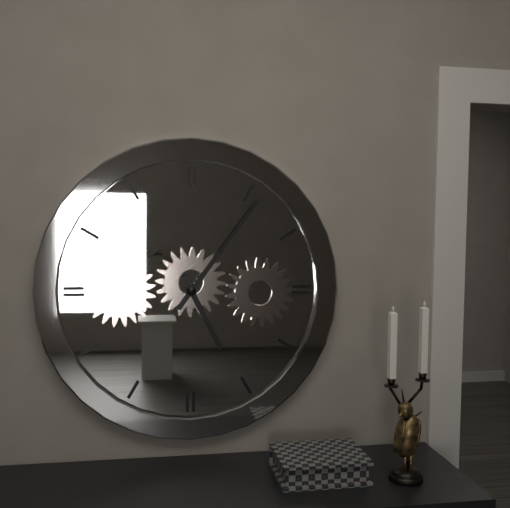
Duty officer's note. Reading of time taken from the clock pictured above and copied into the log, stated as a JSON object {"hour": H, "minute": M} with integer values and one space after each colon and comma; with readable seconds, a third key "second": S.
{"hour": 5, "minute": 6}
